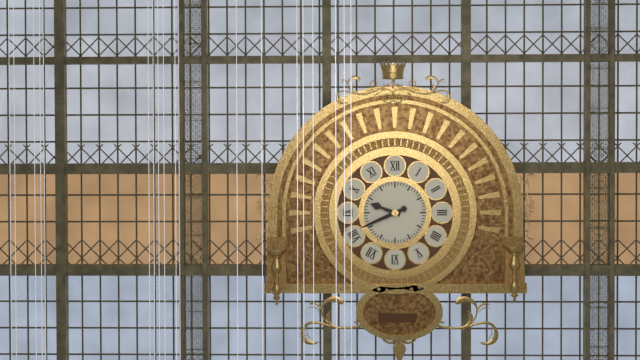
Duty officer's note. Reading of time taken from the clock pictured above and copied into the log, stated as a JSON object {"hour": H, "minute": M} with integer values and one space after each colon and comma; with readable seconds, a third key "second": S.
{"hour": 9, "minute": 41}
